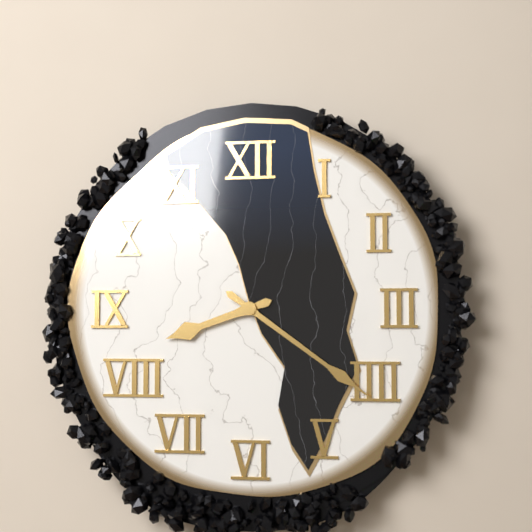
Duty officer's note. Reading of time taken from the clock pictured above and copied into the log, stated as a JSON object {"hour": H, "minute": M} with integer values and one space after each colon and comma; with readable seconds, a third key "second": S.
{"hour": 8, "minute": 21}
